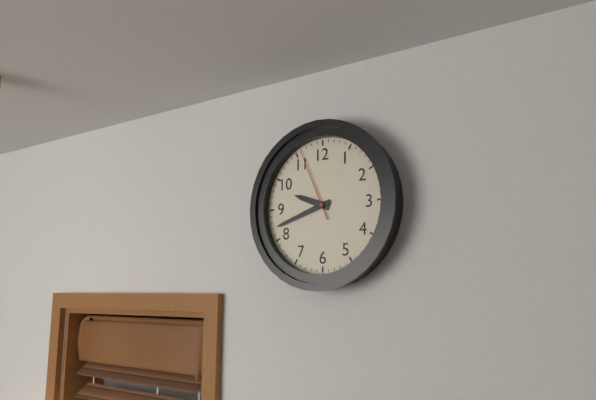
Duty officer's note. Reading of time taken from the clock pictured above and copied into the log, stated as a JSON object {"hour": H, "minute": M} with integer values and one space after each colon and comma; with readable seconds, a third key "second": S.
{"hour": 9, "minute": 42, "second": 56}
